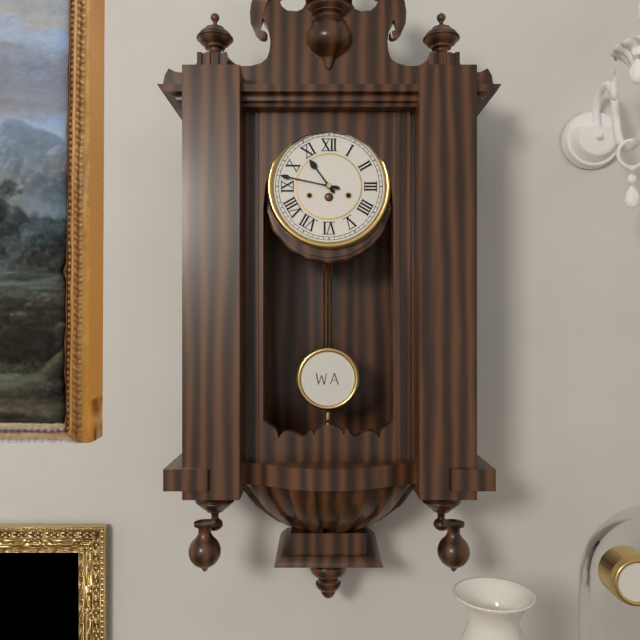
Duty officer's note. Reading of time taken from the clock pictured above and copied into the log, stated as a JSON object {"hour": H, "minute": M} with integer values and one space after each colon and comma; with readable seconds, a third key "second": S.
{"hour": 10, "minute": 47}
